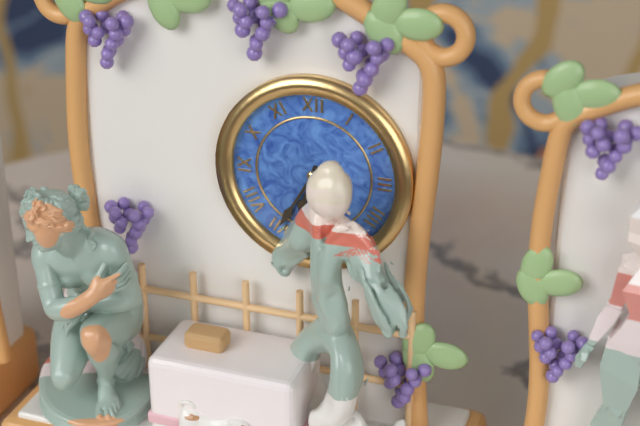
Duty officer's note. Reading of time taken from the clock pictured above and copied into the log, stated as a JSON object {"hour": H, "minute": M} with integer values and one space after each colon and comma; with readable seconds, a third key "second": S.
{"hour": 6, "minute": 35}
